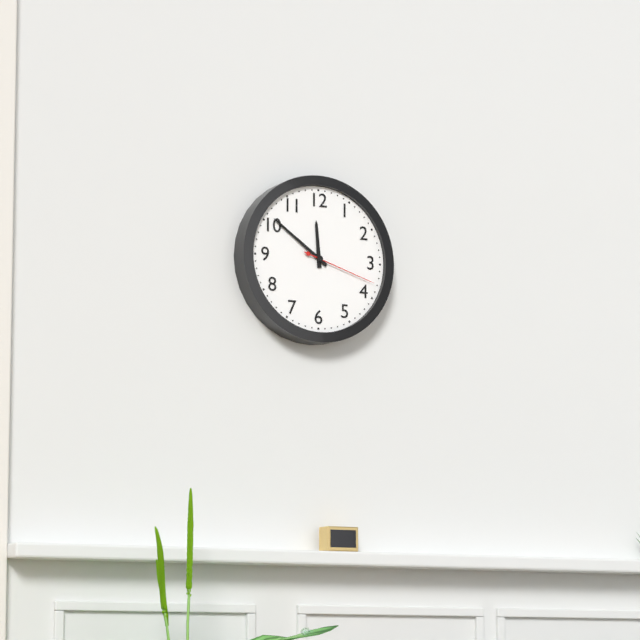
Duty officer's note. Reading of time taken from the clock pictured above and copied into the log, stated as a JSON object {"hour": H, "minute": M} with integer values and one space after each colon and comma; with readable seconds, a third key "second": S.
{"hour": 11, "minute": 51, "second": 18}
